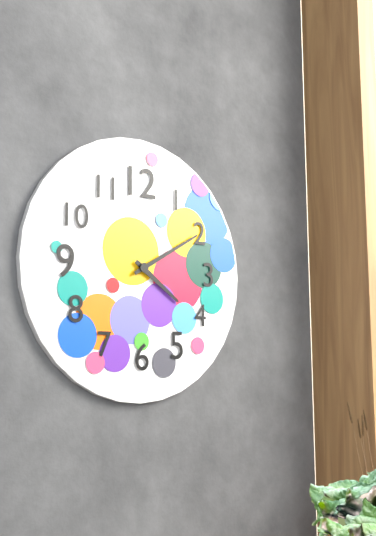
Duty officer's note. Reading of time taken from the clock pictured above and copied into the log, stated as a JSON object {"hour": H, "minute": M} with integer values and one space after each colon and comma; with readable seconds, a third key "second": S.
{"hour": 4, "minute": 10}
